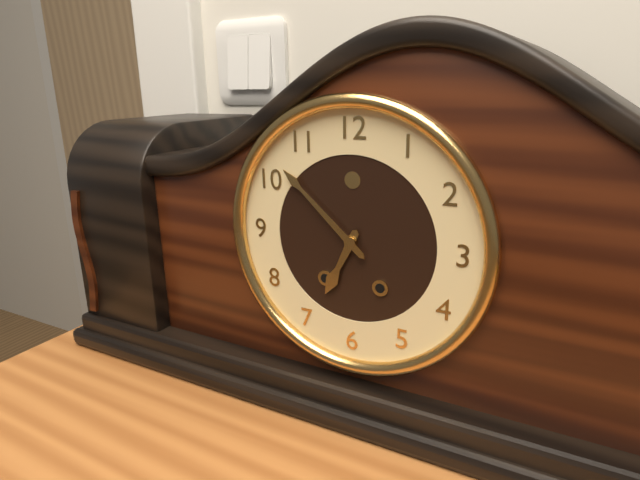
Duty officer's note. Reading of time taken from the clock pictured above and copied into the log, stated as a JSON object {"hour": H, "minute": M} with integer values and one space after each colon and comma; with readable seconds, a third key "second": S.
{"hour": 6, "minute": 52}
